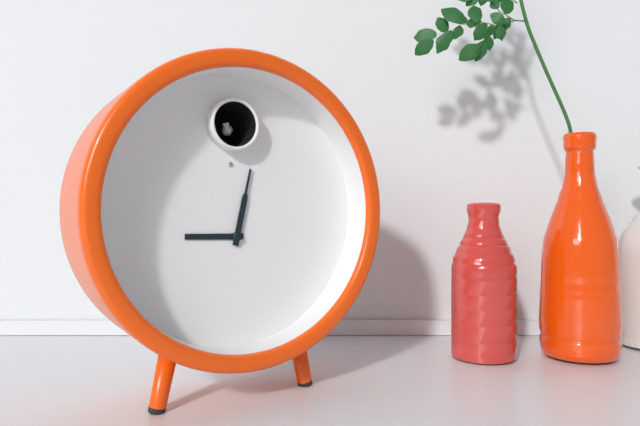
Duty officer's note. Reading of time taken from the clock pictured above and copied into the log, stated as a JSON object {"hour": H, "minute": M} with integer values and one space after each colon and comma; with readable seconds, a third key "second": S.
{"hour": 9, "minute": 2}
